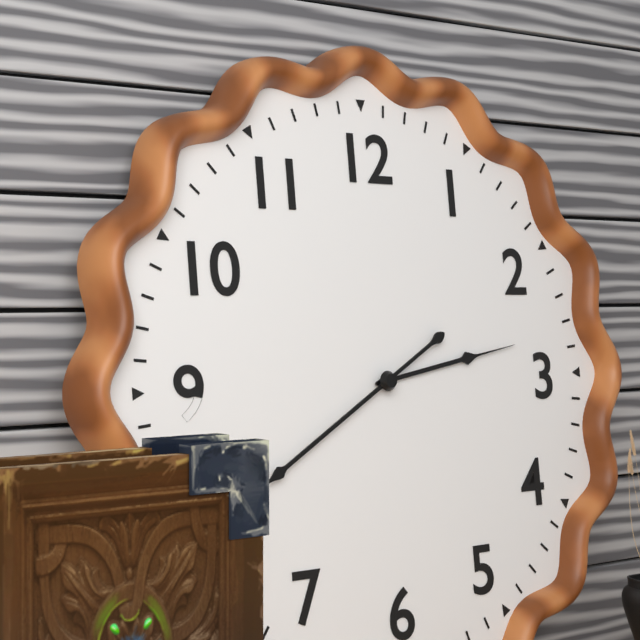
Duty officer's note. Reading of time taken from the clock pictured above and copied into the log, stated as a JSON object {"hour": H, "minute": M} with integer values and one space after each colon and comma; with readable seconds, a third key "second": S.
{"hour": 2, "minute": 40}
